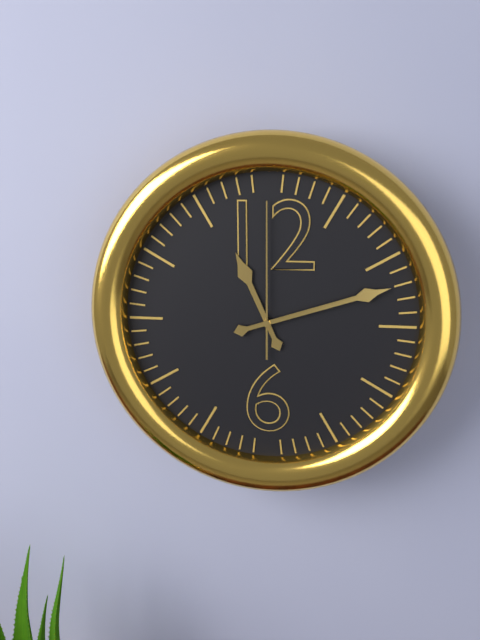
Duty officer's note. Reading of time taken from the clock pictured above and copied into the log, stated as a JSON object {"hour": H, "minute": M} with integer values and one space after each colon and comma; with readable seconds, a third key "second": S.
{"hour": 11, "minute": 12, "second": 0}
